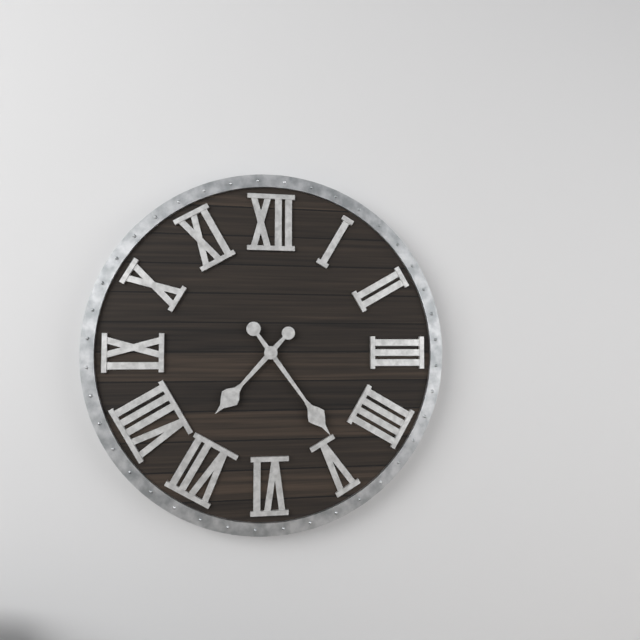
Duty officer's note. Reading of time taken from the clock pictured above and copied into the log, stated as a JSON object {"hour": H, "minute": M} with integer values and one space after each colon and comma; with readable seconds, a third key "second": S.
{"hour": 7, "minute": 24}
